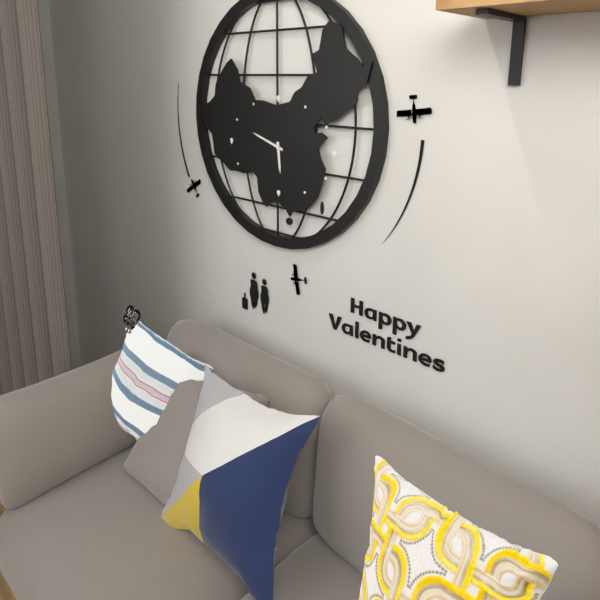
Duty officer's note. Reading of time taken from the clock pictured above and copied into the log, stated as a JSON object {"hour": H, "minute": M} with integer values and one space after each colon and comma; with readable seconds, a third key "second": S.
{"hour": 5, "minute": 48}
